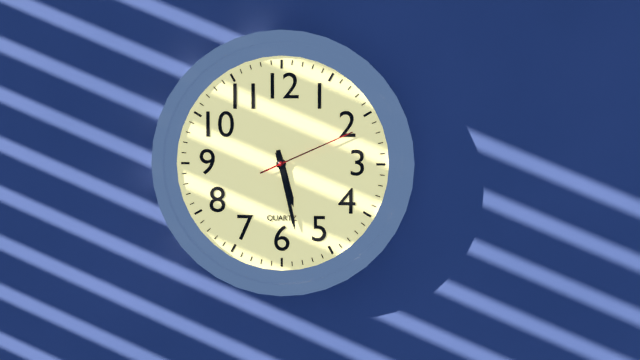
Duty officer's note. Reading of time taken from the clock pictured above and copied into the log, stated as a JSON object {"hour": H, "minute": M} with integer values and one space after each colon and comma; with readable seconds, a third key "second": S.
{"hour": 5, "minute": 28, "second": 11}
